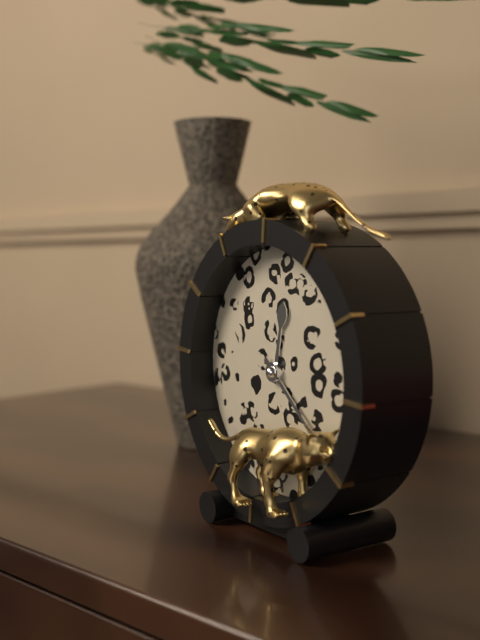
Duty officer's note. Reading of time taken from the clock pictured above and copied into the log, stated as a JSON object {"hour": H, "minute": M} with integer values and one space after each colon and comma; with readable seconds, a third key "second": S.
{"hour": 12, "minute": 22}
